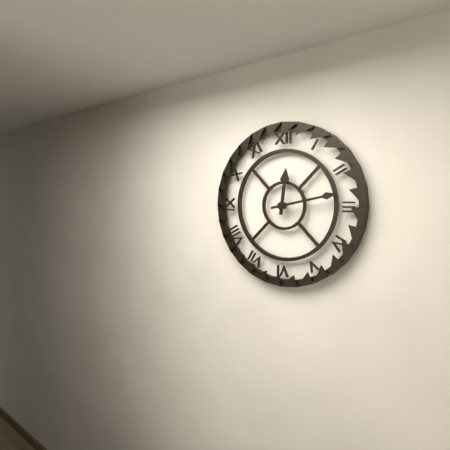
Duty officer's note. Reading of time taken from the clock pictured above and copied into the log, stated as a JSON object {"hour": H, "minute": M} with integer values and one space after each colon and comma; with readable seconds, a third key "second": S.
{"hour": 12, "minute": 13}
